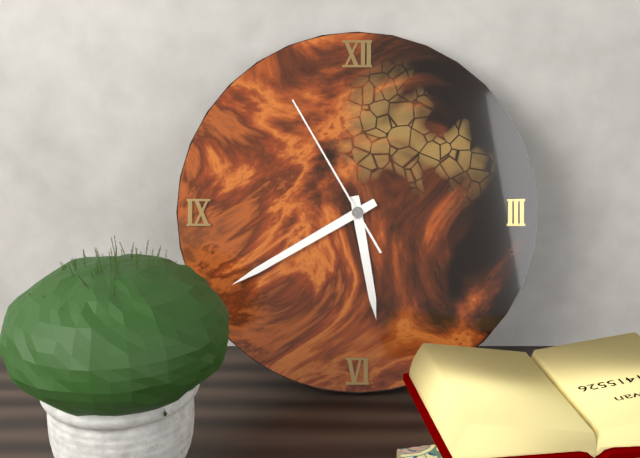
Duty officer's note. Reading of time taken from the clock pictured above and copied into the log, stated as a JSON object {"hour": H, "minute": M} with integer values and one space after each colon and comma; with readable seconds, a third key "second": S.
{"hour": 5, "minute": 40, "second": 55}
